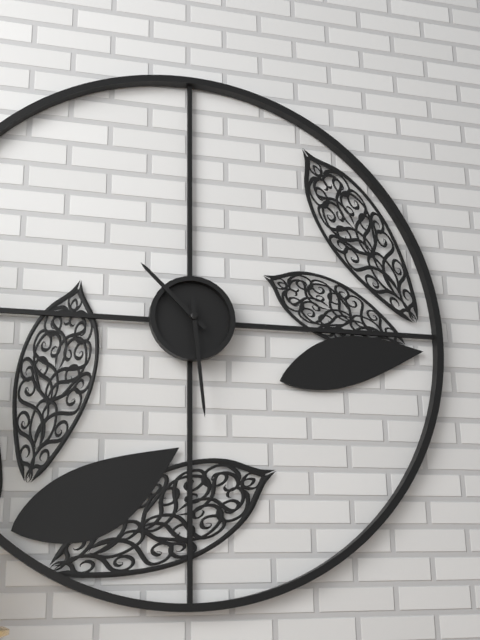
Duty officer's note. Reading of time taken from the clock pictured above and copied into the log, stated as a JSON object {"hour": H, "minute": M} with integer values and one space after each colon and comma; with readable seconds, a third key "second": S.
{"hour": 10, "minute": 29}
